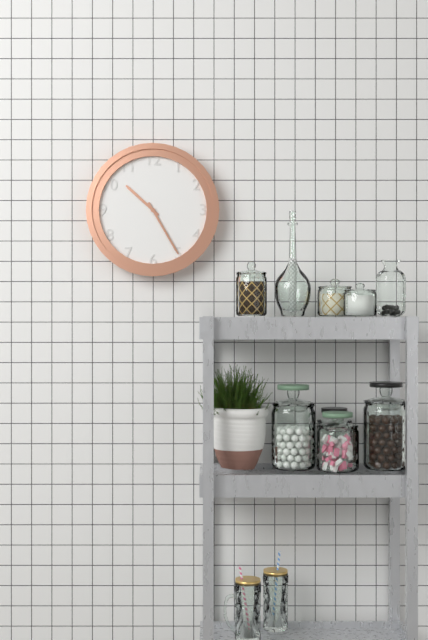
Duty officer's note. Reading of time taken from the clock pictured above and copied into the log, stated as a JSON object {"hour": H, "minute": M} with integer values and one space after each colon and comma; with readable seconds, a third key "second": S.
{"hour": 10, "minute": 25}
